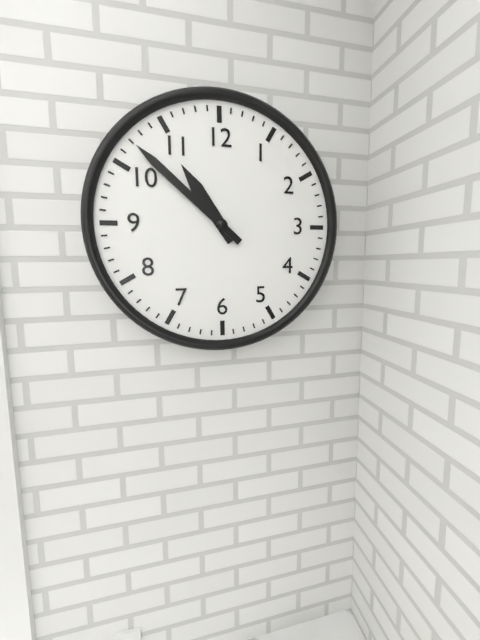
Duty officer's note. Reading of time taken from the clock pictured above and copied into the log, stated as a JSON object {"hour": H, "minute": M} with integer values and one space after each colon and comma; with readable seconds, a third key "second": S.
{"hour": 10, "minute": 52}
